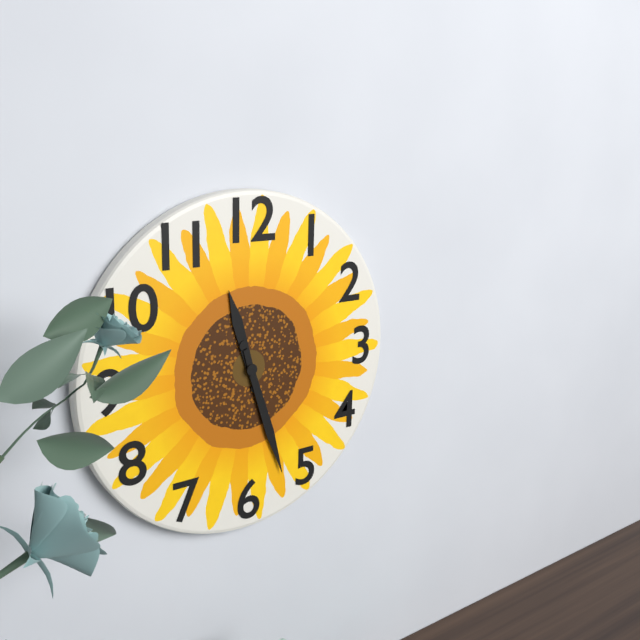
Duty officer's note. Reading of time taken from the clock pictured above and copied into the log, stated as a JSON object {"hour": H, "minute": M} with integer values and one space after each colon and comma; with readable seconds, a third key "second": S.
{"hour": 11, "minute": 27}
